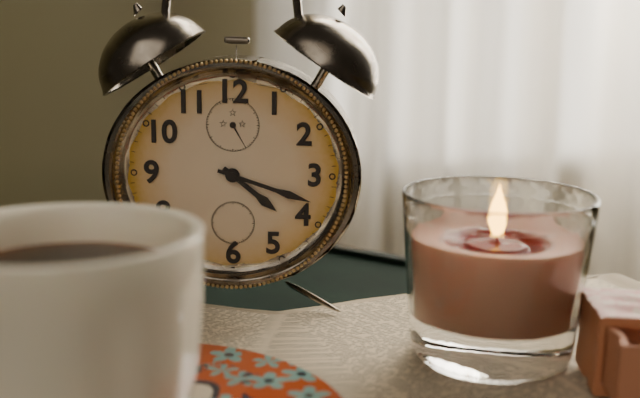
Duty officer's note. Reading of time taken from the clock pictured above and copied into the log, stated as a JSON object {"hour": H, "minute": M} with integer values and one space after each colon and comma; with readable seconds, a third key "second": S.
{"hour": 4, "minute": 18}
